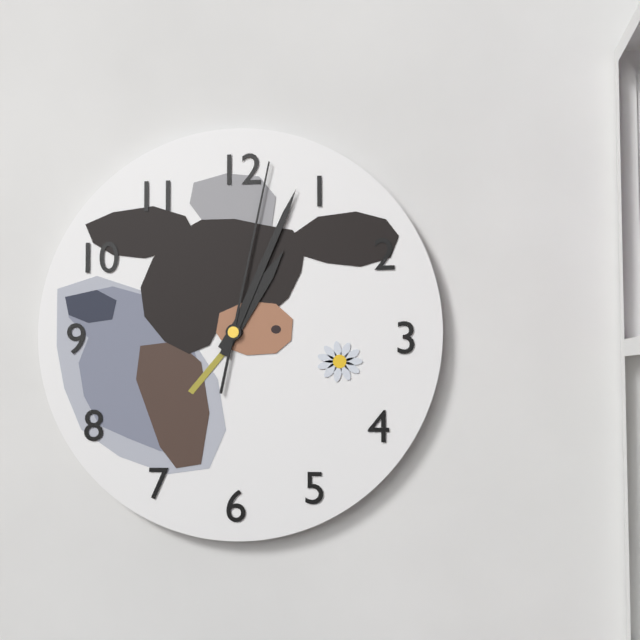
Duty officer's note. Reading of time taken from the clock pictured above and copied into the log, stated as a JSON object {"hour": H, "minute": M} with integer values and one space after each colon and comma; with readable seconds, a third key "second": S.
{"hour": 1, "minute": 4, "second": 2}
